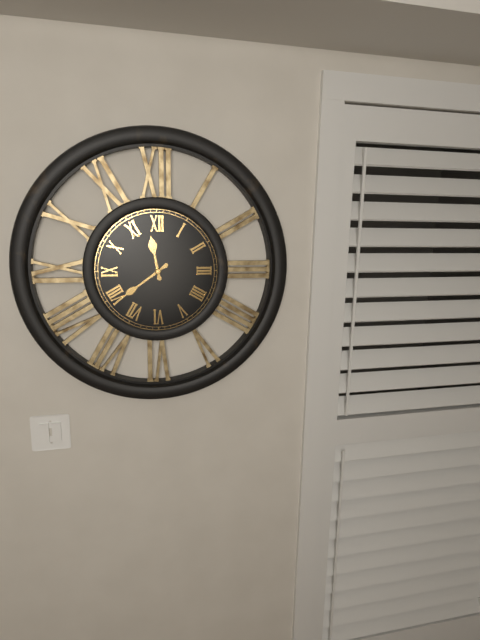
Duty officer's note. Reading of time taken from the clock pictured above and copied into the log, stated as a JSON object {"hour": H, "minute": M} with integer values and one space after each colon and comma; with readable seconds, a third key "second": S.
{"hour": 11, "minute": 39}
